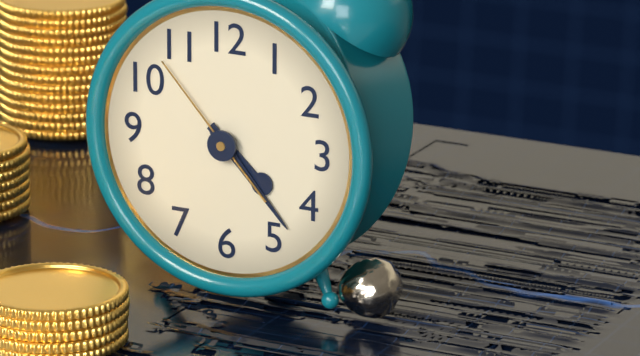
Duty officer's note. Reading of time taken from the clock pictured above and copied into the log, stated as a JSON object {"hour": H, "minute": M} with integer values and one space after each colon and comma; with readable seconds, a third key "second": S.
{"hour": 4, "minute": 23, "second": 53}
